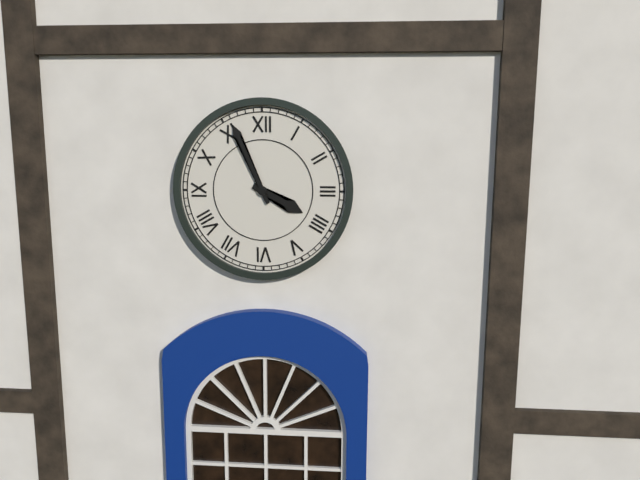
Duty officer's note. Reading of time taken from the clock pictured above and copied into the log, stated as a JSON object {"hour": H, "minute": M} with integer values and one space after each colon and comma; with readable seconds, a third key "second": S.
{"hour": 3, "minute": 56}
